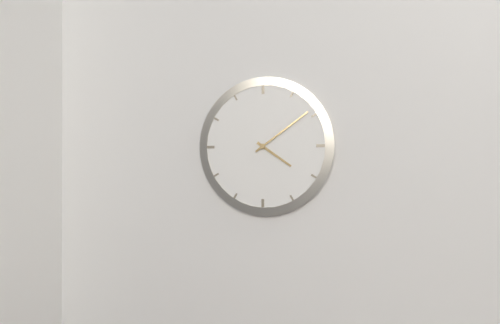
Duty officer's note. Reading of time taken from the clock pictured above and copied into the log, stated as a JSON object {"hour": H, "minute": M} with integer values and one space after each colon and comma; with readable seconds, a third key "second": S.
{"hour": 4, "minute": 9}
